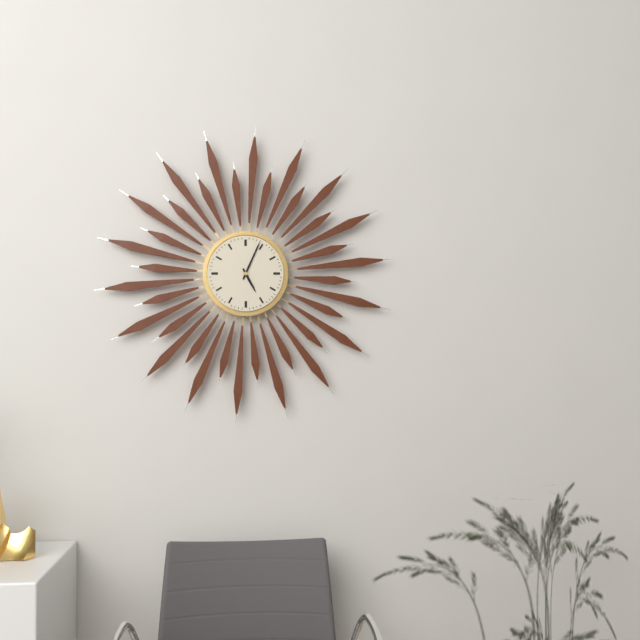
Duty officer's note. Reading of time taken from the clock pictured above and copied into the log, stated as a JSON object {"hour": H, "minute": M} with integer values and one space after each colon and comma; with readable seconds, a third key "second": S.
{"hour": 5, "minute": 4}
